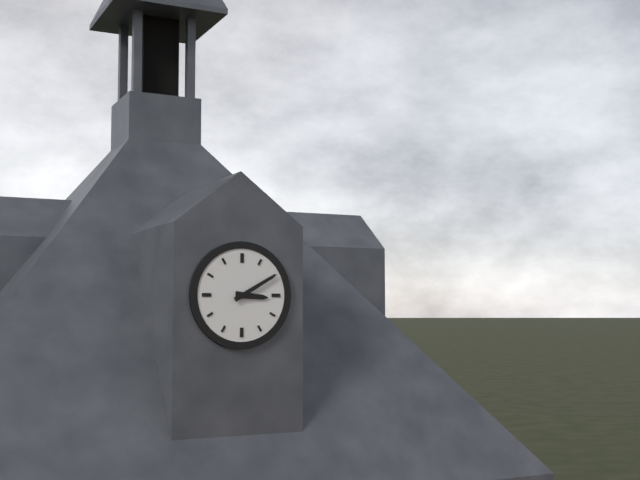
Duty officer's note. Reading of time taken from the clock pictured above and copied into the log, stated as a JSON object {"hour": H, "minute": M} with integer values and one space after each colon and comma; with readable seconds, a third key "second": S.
{"hour": 3, "minute": 10}
